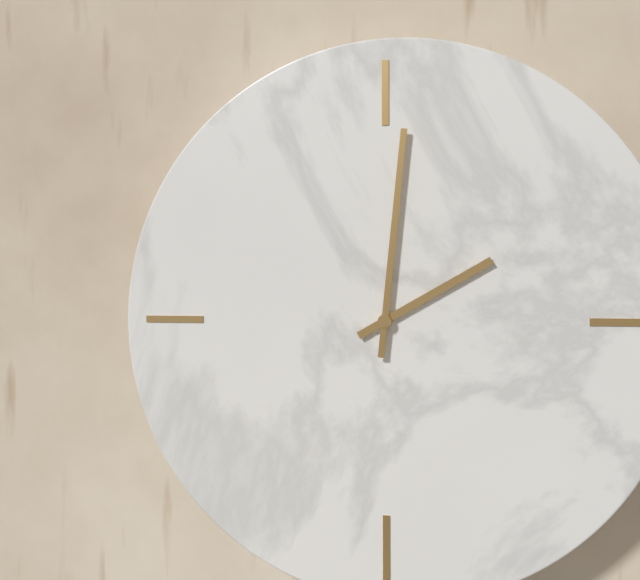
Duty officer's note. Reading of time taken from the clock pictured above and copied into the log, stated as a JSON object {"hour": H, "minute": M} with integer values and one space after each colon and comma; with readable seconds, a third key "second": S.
{"hour": 2, "minute": 1}
